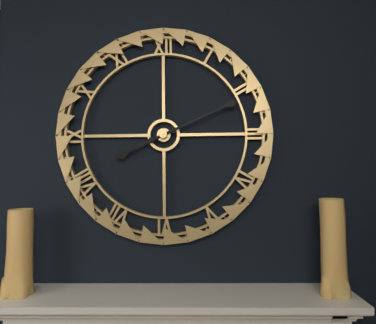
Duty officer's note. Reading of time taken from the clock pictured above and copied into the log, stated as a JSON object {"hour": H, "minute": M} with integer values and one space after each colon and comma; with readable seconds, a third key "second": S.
{"hour": 8, "minute": 11}
